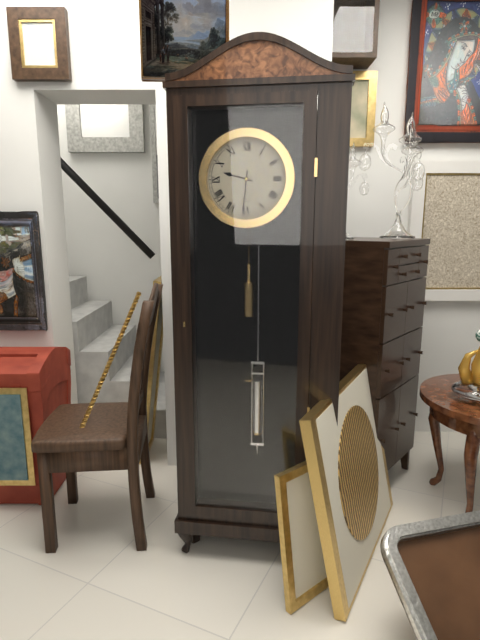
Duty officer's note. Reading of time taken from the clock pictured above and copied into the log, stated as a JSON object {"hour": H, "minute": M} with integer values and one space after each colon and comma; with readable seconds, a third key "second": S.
{"hour": 9, "minute": 31}
